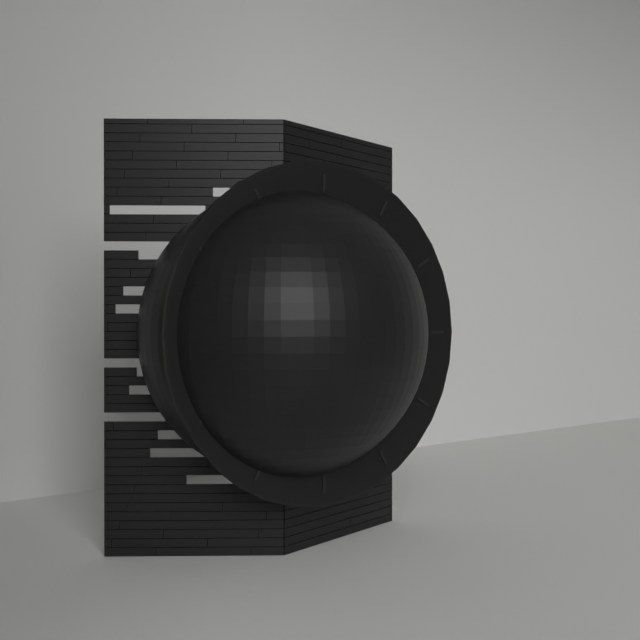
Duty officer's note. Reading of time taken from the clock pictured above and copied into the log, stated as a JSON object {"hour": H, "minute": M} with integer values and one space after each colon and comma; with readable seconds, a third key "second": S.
{"hour": 10, "minute": 1, "second": 15}
